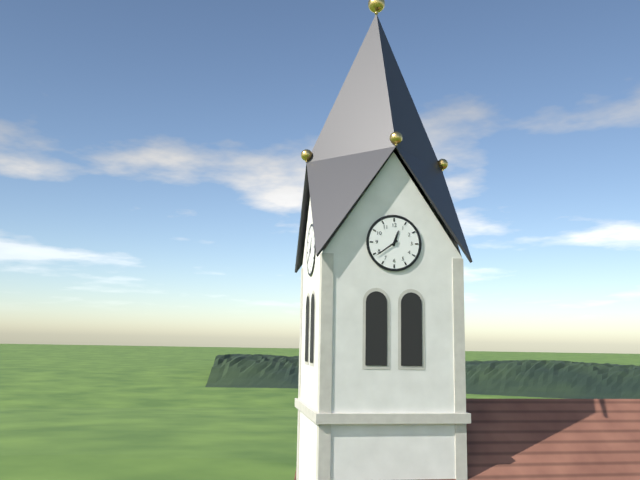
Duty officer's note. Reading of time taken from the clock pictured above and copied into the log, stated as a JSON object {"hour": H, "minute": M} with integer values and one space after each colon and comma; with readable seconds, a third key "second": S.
{"hour": 12, "minute": 39}
